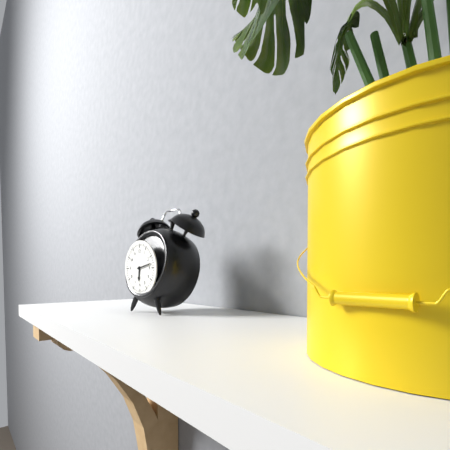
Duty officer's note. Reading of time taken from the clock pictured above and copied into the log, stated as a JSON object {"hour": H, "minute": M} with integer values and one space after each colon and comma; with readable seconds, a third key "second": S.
{"hour": 6, "minute": 13}
